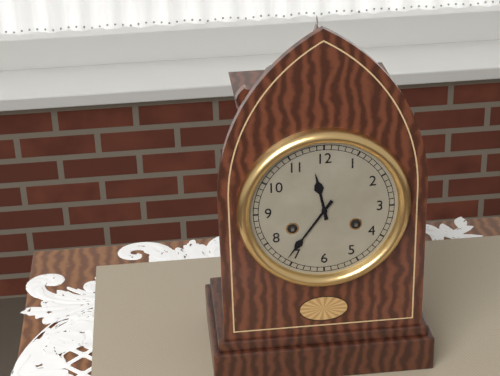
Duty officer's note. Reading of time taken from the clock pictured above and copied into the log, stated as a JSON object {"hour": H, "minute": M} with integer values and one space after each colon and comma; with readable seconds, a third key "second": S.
{"hour": 11, "minute": 36}
